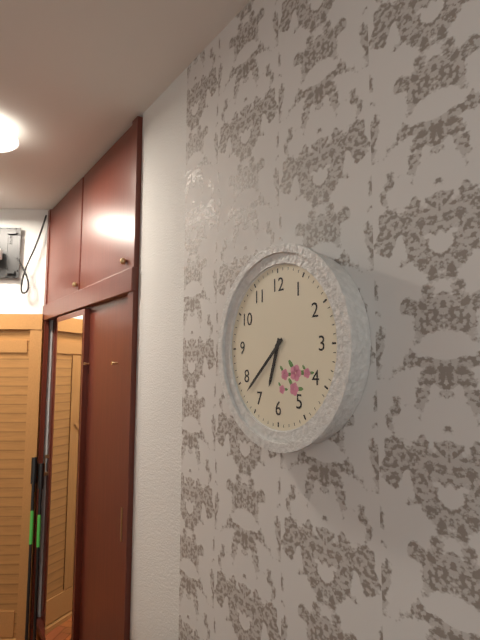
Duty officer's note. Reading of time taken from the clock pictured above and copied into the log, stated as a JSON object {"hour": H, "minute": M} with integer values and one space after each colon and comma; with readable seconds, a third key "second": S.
{"hour": 6, "minute": 38}
